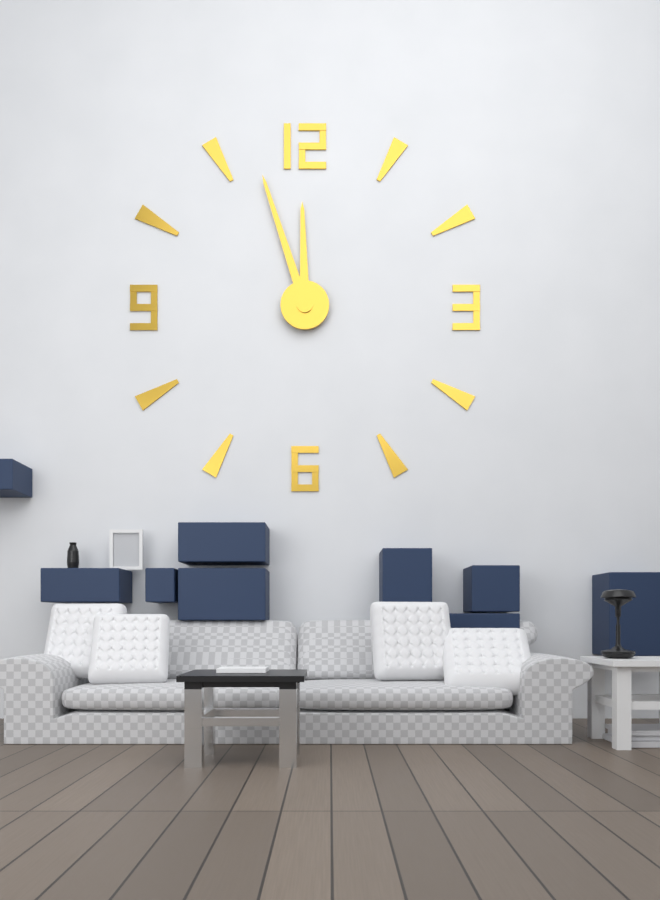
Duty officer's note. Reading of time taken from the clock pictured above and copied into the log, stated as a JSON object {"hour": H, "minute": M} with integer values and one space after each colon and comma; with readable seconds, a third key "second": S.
{"hour": 11, "minute": 57}
